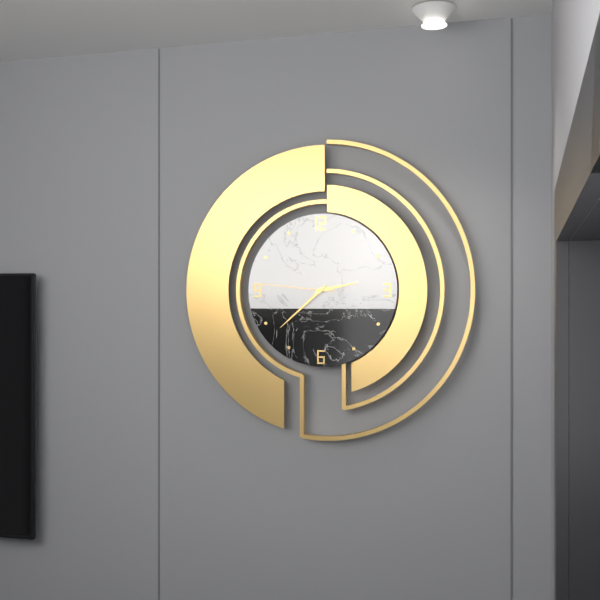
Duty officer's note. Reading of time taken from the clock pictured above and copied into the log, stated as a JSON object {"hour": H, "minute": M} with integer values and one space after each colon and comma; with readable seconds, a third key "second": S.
{"hour": 2, "minute": 38, "second": 46}
